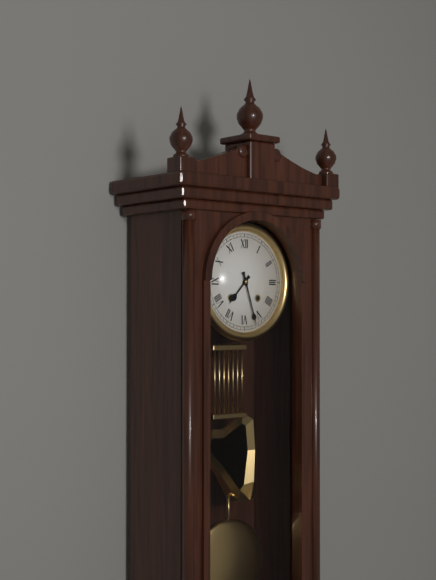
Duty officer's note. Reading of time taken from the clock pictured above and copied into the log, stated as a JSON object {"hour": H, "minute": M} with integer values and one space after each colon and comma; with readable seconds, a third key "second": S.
{"hour": 7, "minute": 27}
